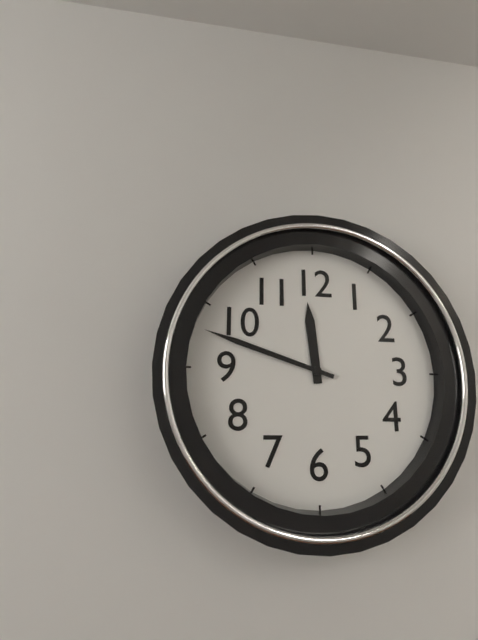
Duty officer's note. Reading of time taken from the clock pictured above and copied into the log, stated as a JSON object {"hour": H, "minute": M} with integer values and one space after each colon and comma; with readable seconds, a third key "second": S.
{"hour": 11, "minute": 48}
